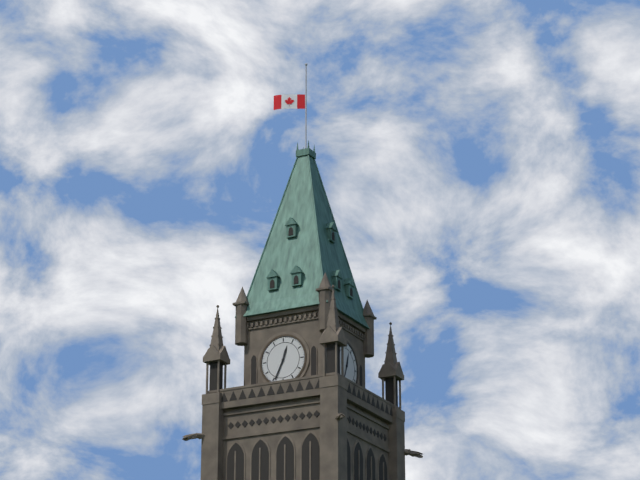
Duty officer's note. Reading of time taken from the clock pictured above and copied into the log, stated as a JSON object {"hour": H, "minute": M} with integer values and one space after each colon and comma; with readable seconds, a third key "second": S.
{"hour": 12, "minute": 34}
